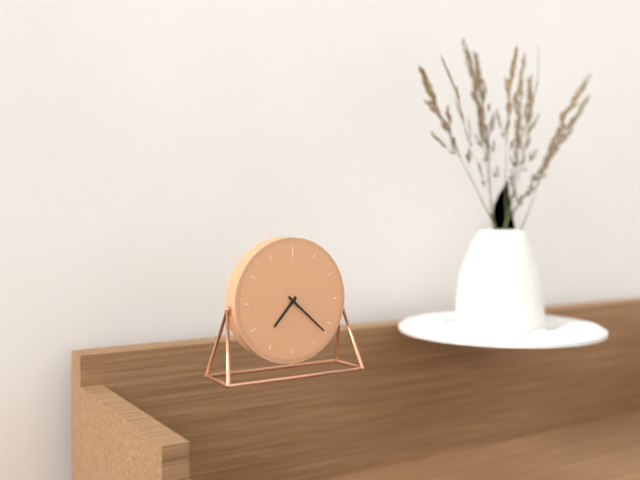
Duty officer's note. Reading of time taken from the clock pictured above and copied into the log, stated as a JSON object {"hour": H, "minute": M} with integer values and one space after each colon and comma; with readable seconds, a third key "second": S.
{"hour": 7, "minute": 22}
